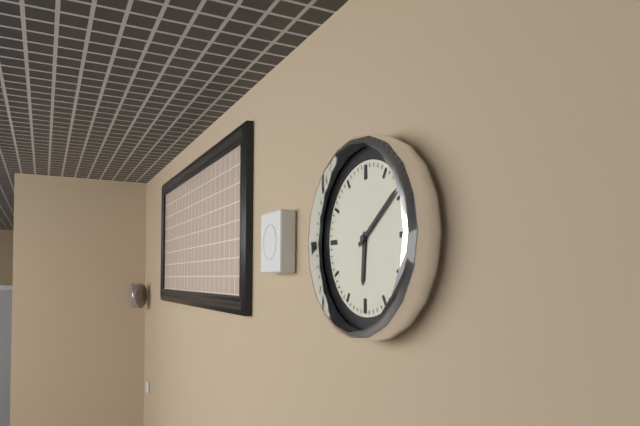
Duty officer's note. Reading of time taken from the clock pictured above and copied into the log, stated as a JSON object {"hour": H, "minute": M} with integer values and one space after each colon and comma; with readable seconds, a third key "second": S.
{"hour": 6, "minute": 9}
